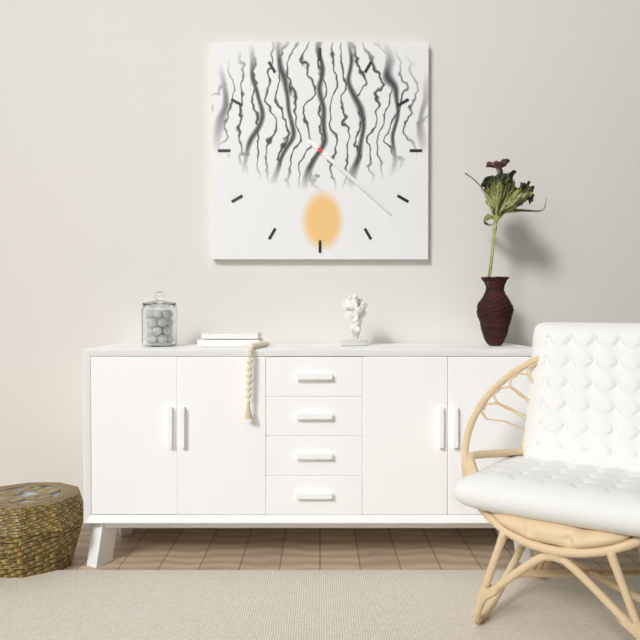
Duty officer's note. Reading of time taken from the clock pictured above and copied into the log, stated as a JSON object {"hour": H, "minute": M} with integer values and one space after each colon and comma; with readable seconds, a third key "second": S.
{"hour": 4, "minute": 22}
